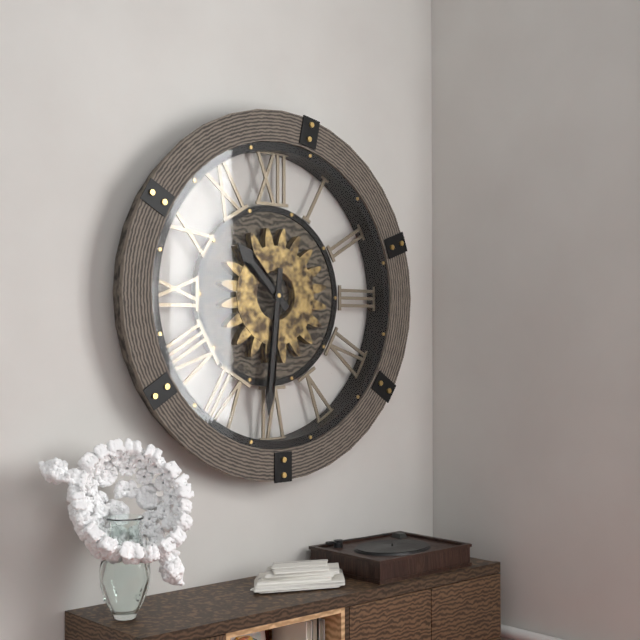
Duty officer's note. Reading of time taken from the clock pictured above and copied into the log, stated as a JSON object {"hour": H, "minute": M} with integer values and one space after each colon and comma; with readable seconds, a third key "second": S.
{"hour": 10, "minute": 31}
